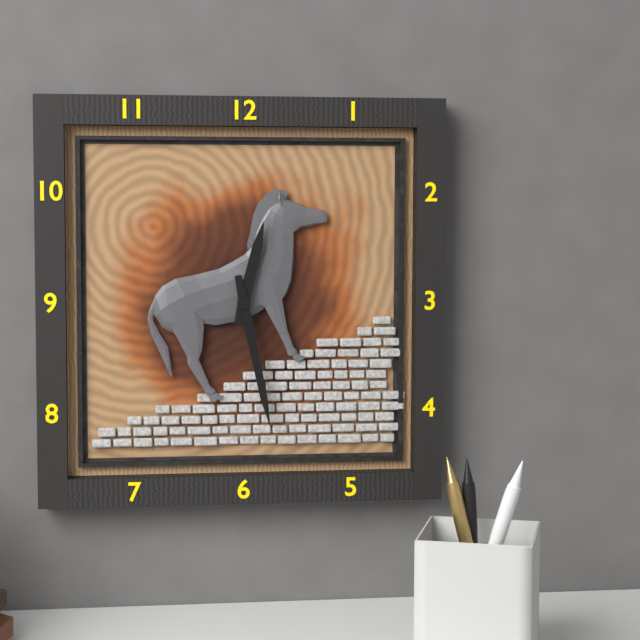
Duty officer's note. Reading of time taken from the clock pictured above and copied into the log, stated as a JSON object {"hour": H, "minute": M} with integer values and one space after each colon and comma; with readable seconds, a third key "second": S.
{"hour": 12, "minute": 28}
